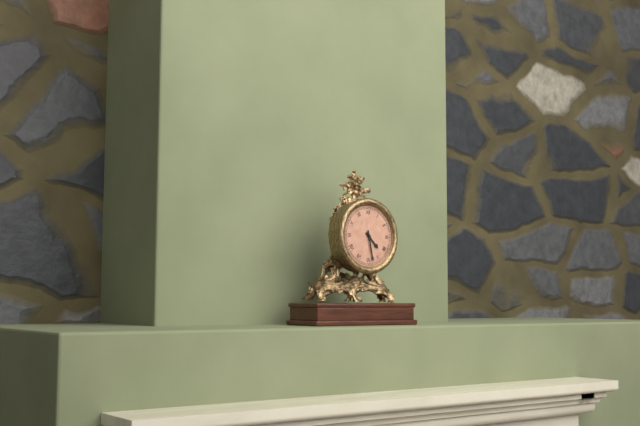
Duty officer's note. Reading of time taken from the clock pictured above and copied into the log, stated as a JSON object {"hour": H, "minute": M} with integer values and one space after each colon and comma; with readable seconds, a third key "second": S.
{"hour": 4, "minute": 28}
